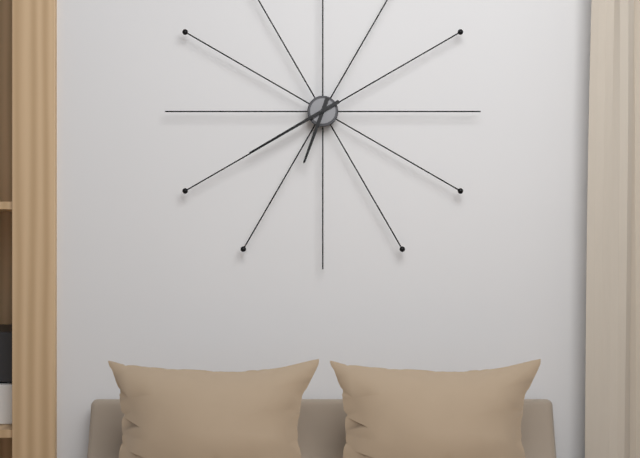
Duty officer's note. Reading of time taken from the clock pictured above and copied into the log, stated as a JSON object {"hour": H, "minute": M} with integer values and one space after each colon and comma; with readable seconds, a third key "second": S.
{"hour": 6, "minute": 40}
